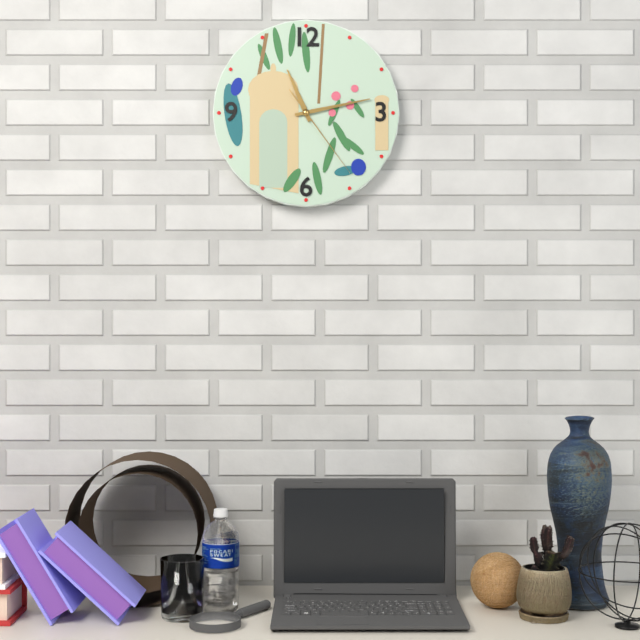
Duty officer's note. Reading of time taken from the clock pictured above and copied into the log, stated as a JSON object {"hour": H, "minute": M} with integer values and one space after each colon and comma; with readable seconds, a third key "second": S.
{"hour": 11, "minute": 13, "second": 24}
